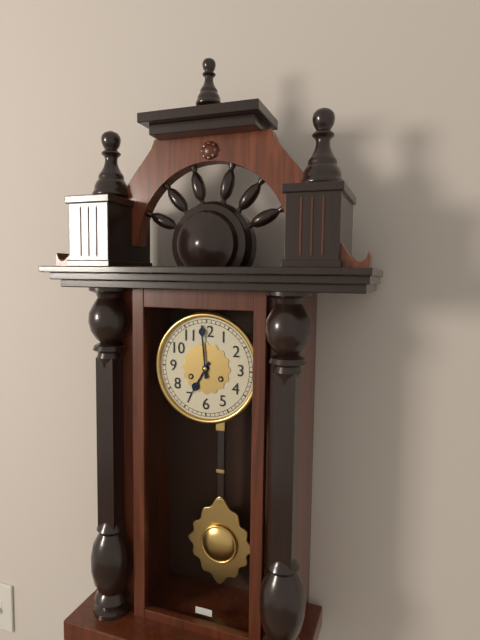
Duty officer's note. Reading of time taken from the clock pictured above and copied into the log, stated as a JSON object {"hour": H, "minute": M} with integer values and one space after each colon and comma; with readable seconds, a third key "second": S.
{"hour": 6, "minute": 59}
